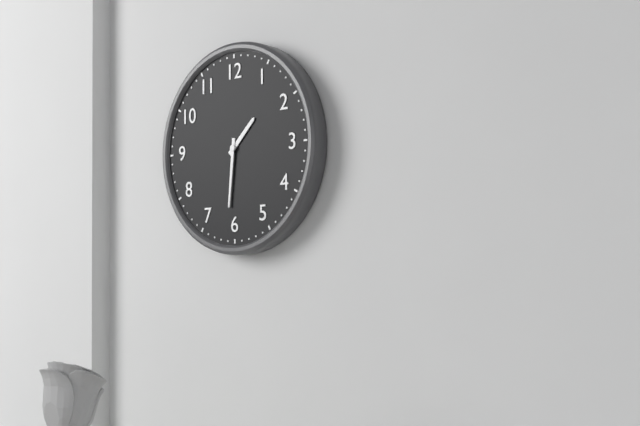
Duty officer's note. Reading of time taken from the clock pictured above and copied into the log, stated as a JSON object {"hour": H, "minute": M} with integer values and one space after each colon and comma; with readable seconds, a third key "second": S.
{"hour": 1, "minute": 31}
